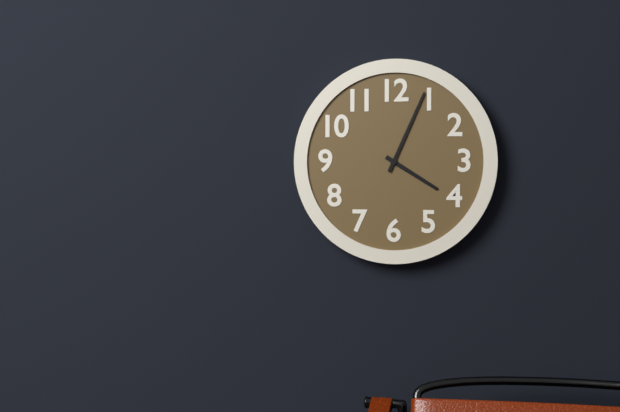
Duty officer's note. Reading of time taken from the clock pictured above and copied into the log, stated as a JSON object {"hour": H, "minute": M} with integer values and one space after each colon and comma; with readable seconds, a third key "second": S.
{"hour": 4, "minute": 4}
